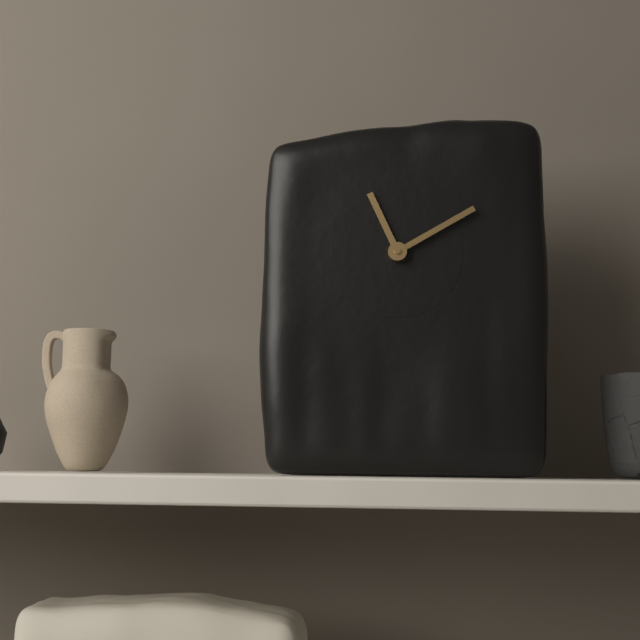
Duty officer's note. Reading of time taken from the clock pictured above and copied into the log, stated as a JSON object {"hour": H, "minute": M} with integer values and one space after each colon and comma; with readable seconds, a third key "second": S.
{"hour": 11, "minute": 10}
